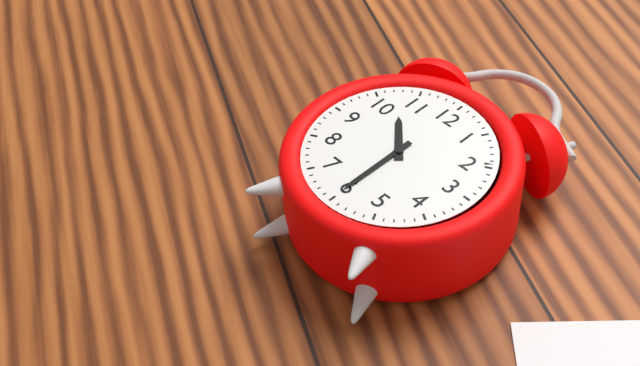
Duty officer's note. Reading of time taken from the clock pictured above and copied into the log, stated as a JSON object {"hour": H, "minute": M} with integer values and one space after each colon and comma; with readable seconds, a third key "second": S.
{"hour": 10, "minute": 30}
